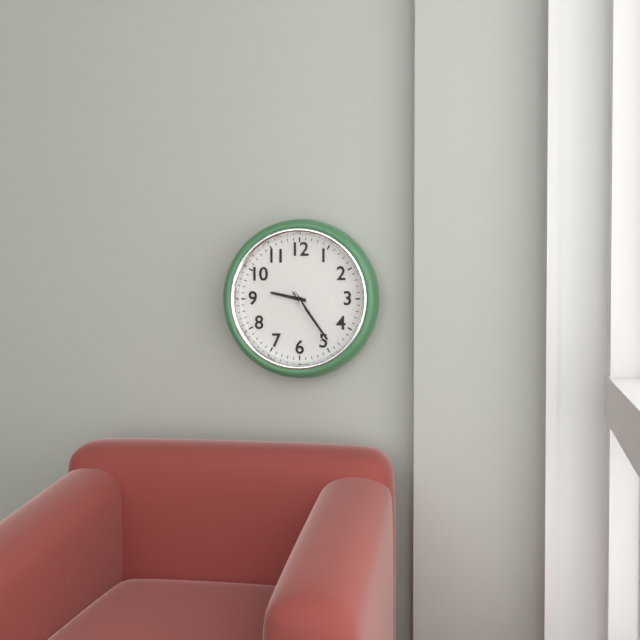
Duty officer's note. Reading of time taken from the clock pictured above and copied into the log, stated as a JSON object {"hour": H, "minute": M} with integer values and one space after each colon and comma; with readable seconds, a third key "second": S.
{"hour": 9, "minute": 24, "second": 25}
